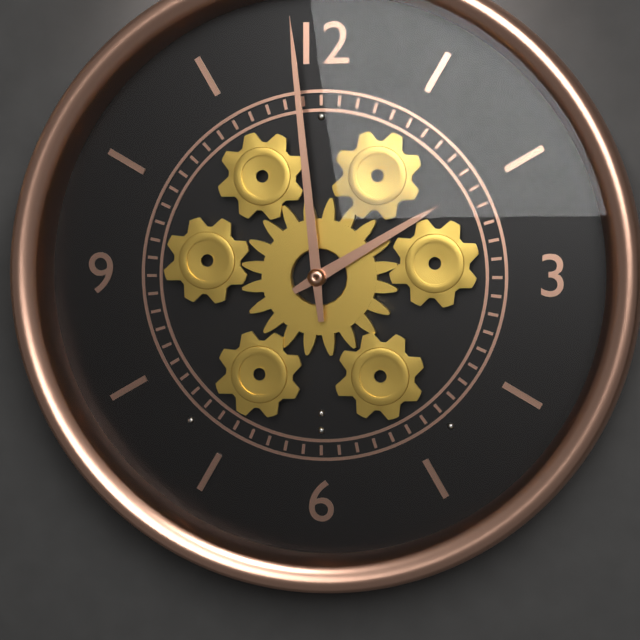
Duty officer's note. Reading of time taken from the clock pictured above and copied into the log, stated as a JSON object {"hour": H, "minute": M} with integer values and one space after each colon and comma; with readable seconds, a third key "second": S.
{"hour": 1, "minute": 59}
